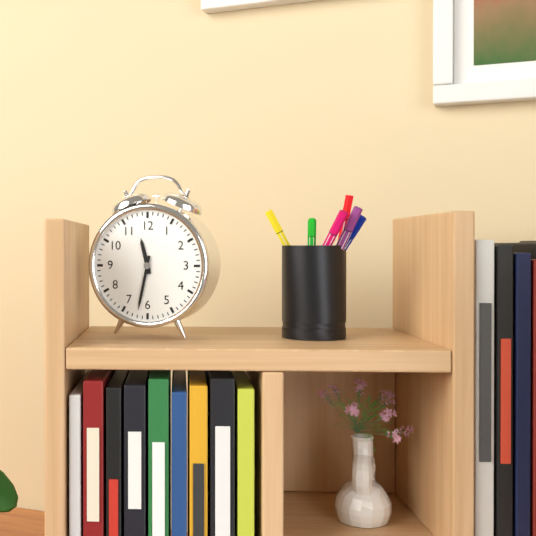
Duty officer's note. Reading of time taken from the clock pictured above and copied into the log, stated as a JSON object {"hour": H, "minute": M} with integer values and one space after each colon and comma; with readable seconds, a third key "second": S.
{"hour": 11, "minute": 32}
